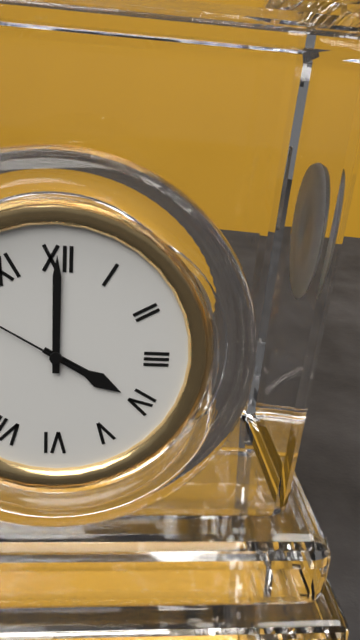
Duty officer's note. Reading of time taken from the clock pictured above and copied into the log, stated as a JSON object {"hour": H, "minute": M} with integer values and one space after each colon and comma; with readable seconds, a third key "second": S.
{"hour": 4, "minute": 0}
